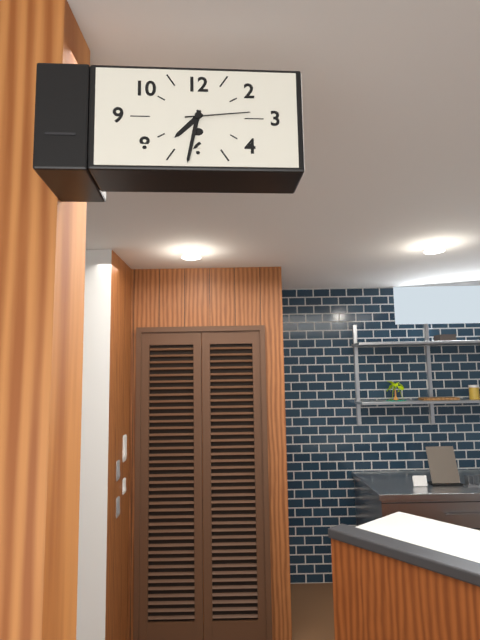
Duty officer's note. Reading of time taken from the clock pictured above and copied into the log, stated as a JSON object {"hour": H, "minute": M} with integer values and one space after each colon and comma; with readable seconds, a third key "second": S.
{"hour": 7, "minute": 32, "second": 14}
